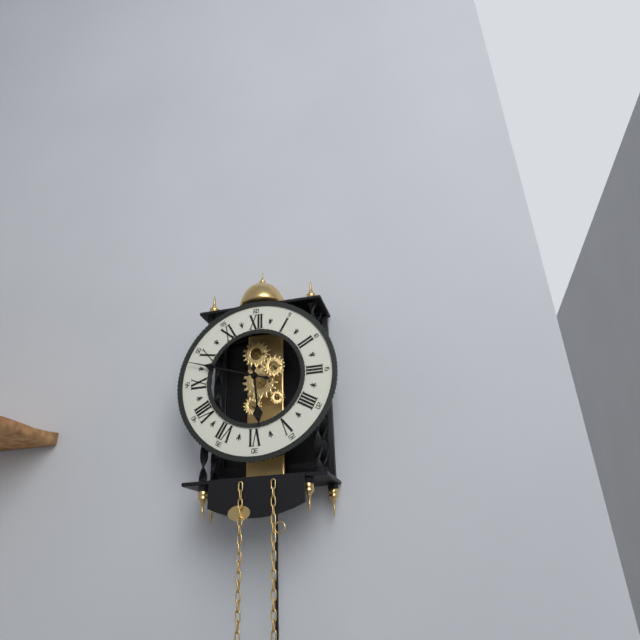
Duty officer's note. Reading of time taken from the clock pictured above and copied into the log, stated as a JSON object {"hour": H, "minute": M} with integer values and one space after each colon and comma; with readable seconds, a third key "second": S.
{"hour": 5, "minute": 48}
